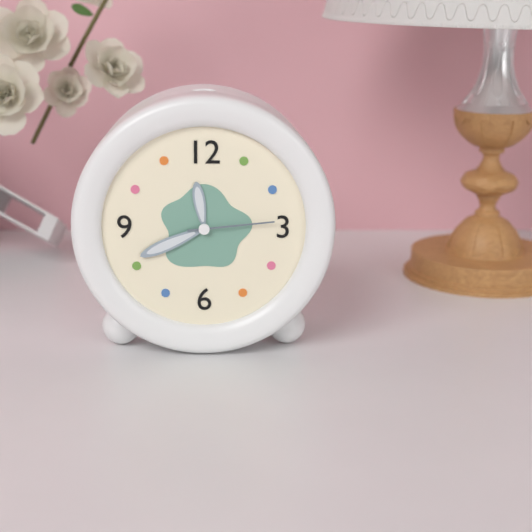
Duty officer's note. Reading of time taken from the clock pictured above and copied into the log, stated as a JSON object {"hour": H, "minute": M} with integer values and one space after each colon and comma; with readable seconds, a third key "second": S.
{"hour": 11, "minute": 41, "second": 14}
